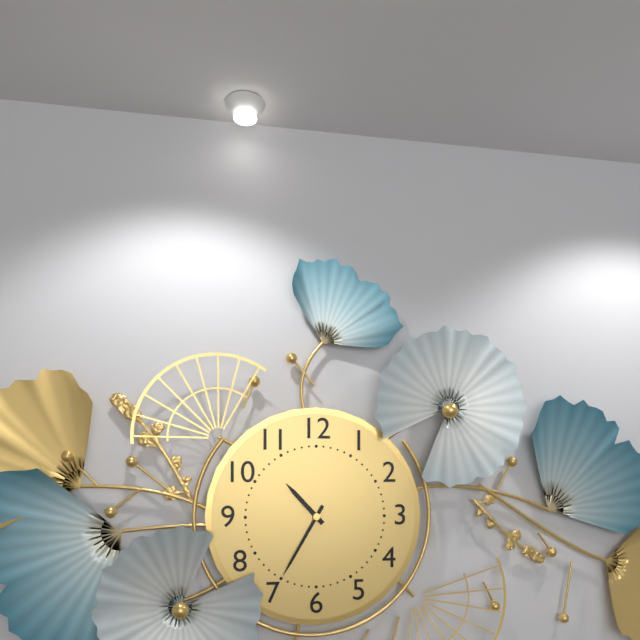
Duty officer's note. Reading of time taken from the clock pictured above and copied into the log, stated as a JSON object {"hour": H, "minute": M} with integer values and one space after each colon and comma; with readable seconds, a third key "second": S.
{"hour": 10, "minute": 35}
